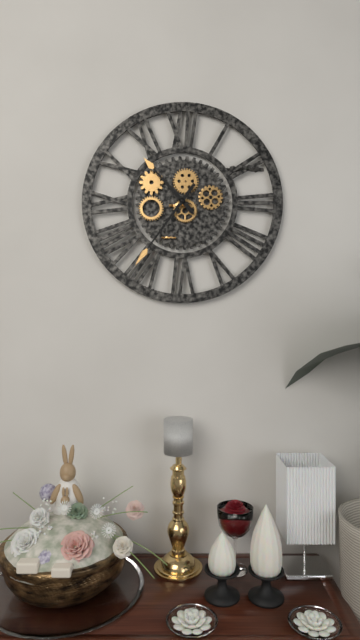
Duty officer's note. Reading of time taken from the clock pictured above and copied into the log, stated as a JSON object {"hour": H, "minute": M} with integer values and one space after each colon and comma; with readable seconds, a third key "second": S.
{"hour": 10, "minute": 36}
